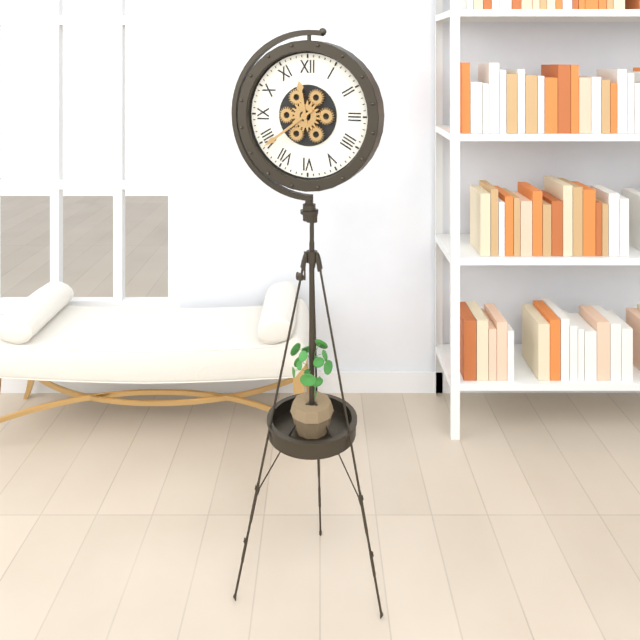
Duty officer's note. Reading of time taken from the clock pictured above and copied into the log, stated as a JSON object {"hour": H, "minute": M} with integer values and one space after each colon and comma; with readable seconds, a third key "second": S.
{"hour": 11, "minute": 39}
